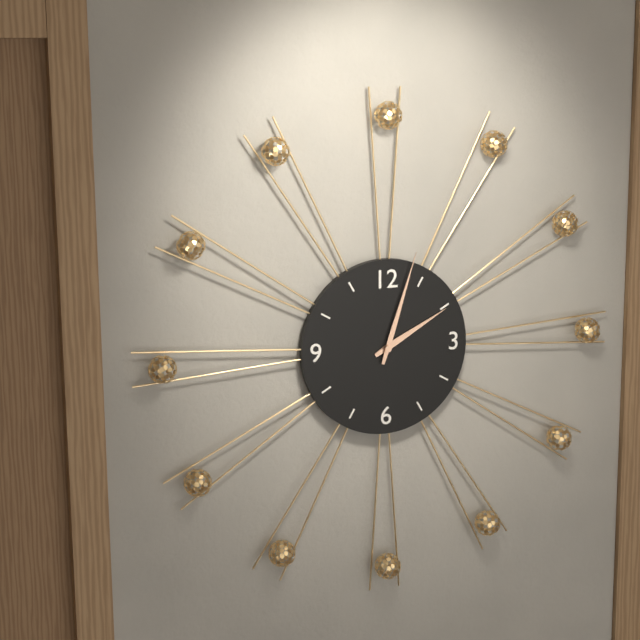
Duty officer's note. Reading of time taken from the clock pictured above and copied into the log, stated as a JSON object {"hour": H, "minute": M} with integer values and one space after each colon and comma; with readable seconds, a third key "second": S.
{"hour": 2, "minute": 3}
